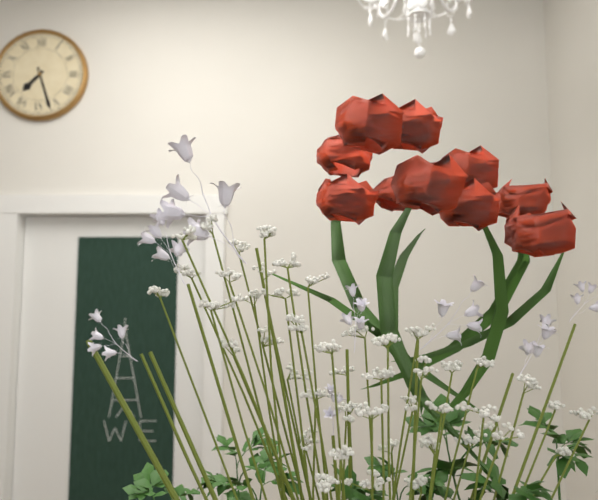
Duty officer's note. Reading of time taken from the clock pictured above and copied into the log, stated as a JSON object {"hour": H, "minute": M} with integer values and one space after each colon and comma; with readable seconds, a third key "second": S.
{"hour": 7, "minute": 27}
